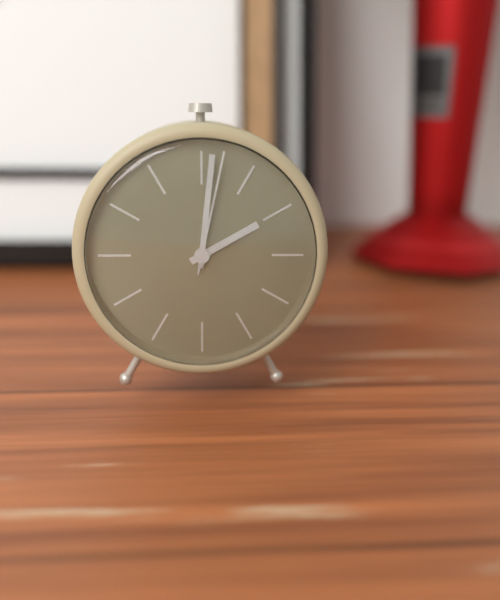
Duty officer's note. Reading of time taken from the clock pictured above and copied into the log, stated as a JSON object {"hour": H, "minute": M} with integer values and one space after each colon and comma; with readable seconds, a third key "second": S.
{"hour": 2, "minute": 1, "second": 2}
